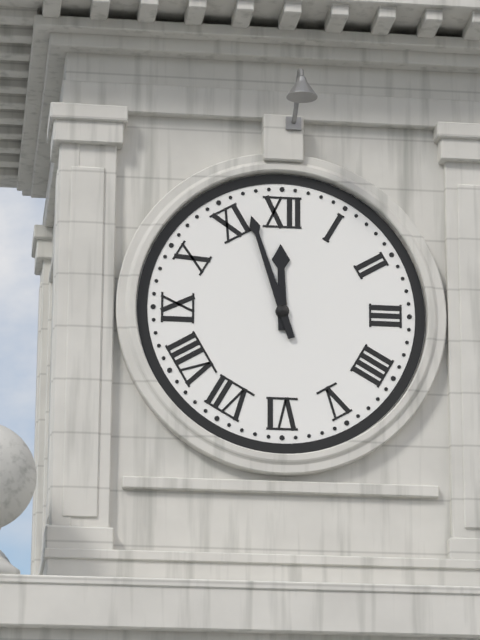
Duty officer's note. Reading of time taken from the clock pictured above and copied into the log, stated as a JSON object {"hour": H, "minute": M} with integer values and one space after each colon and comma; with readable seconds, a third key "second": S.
{"hour": 11, "minute": 57}
